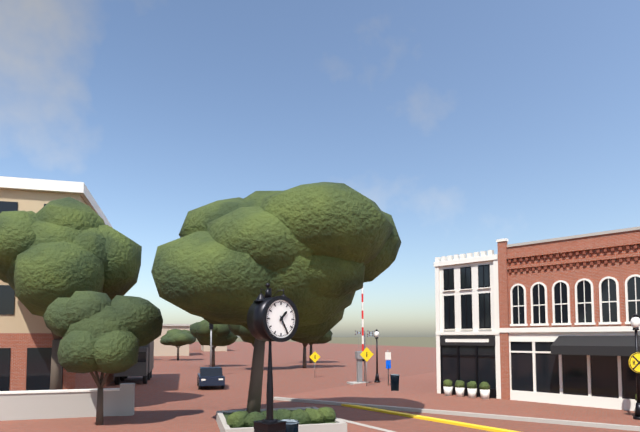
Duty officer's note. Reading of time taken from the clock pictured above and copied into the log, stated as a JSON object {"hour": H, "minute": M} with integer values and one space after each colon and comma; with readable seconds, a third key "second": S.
{"hour": 1, "minute": 25}
